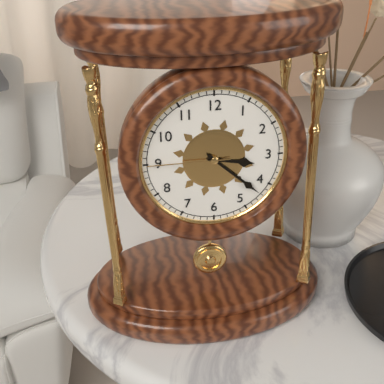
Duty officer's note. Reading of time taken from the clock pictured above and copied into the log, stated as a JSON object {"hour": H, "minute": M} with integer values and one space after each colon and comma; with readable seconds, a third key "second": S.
{"hour": 3, "minute": 22, "second": 45}
